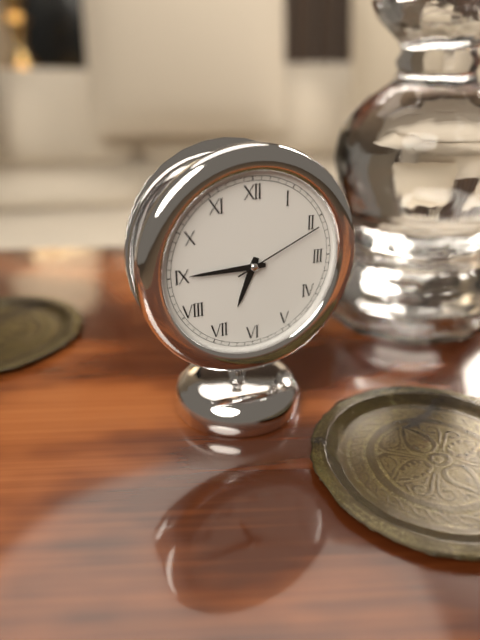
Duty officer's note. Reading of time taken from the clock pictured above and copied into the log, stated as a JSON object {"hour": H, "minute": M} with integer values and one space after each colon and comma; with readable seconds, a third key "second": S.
{"hour": 6, "minute": 45, "second": 11}
